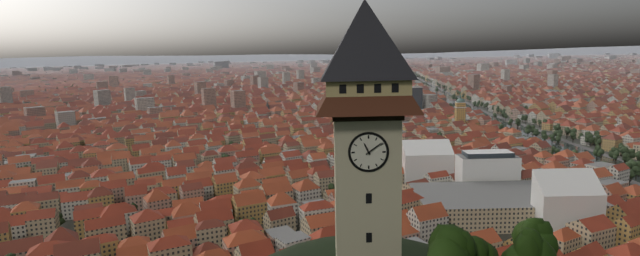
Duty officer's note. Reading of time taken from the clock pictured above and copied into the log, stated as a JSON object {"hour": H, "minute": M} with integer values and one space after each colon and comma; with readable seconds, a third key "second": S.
{"hour": 11, "minute": 9}
